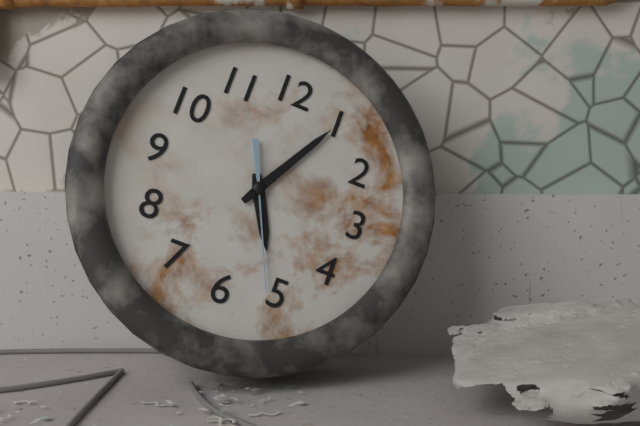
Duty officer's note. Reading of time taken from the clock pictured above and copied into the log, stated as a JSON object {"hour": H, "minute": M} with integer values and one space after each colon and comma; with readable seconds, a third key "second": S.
{"hour": 5, "minute": 5, "second": 26}
